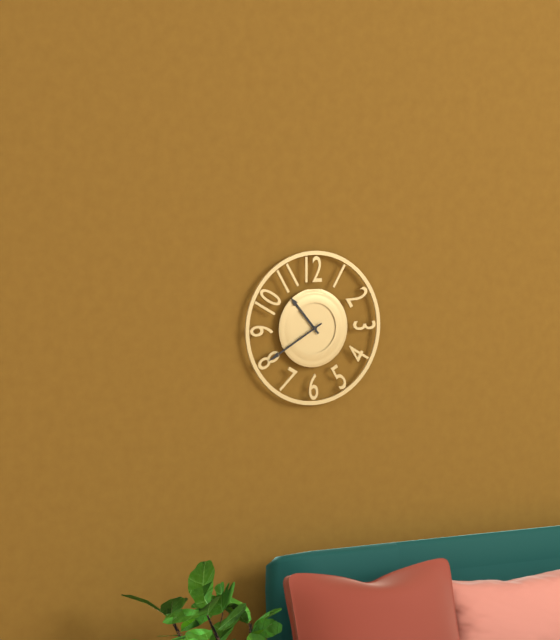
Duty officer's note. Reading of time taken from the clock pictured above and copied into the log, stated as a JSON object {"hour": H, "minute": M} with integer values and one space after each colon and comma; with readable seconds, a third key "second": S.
{"hour": 10, "minute": 40}
